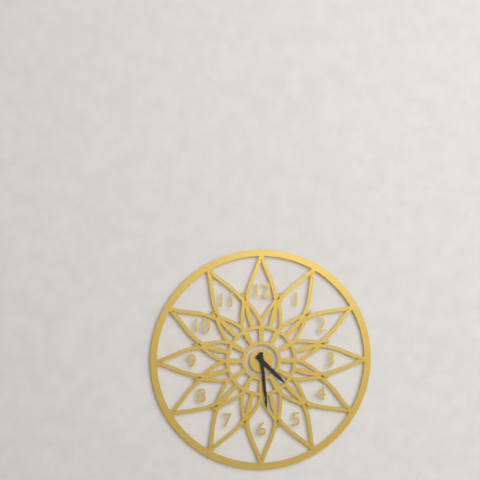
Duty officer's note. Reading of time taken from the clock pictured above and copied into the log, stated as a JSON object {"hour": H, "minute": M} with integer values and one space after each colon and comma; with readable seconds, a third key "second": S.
{"hour": 4, "minute": 29}
